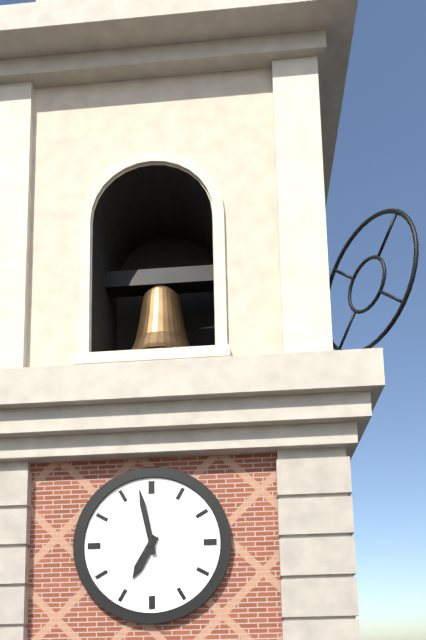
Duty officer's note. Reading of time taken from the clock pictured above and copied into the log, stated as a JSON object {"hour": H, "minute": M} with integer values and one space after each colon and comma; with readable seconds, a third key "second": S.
{"hour": 6, "minute": 58}
